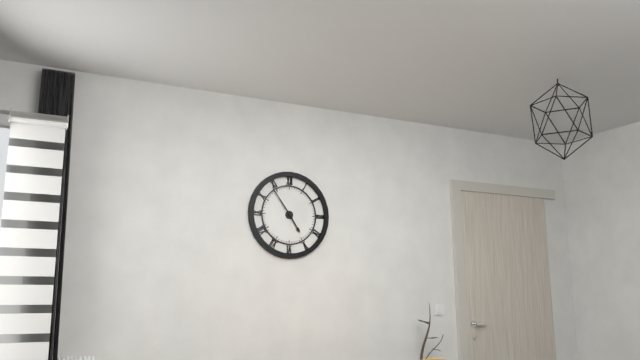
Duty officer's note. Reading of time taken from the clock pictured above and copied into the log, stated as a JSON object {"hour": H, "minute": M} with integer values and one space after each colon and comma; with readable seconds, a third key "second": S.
{"hour": 4, "minute": 54}
